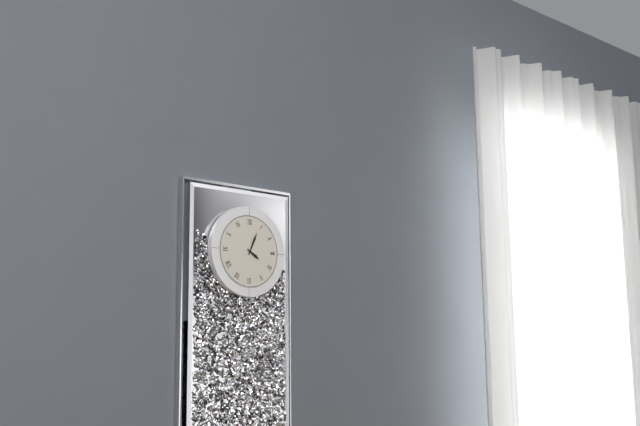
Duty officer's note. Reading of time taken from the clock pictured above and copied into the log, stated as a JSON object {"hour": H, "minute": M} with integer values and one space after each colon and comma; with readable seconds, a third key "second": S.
{"hour": 4, "minute": 4}
